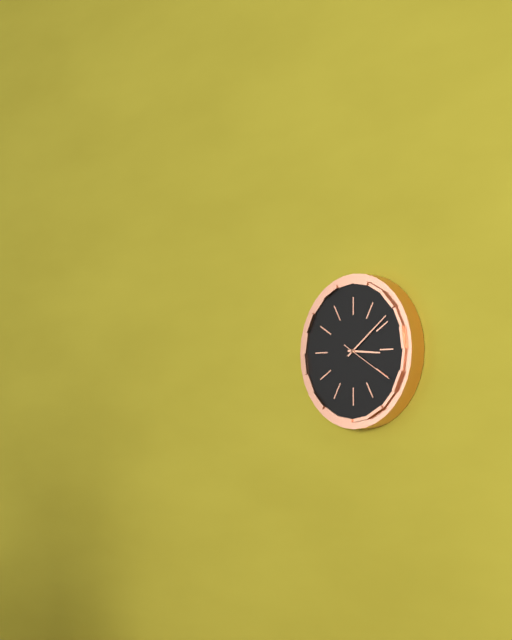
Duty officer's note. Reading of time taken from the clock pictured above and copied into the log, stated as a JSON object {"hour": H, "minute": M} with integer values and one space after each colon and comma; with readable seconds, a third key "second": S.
{"hour": 3, "minute": 9, "second": 20}
